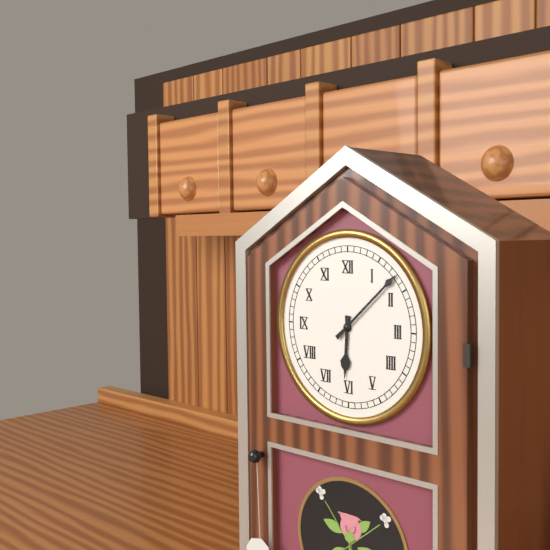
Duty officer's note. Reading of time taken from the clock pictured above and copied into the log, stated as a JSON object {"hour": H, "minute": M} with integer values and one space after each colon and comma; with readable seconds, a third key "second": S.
{"hour": 6, "minute": 8}
